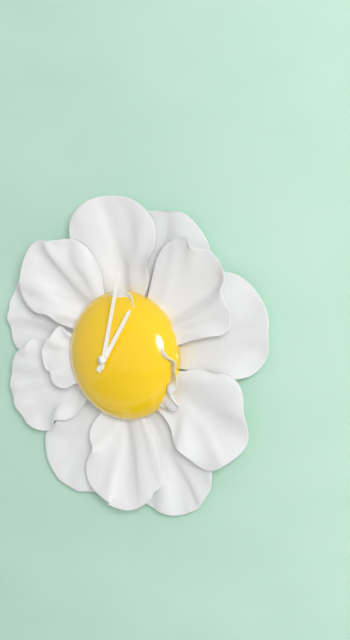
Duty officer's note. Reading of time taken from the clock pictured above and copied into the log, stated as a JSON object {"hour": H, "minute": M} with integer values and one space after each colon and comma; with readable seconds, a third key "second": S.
{"hour": 1, "minute": 2}
